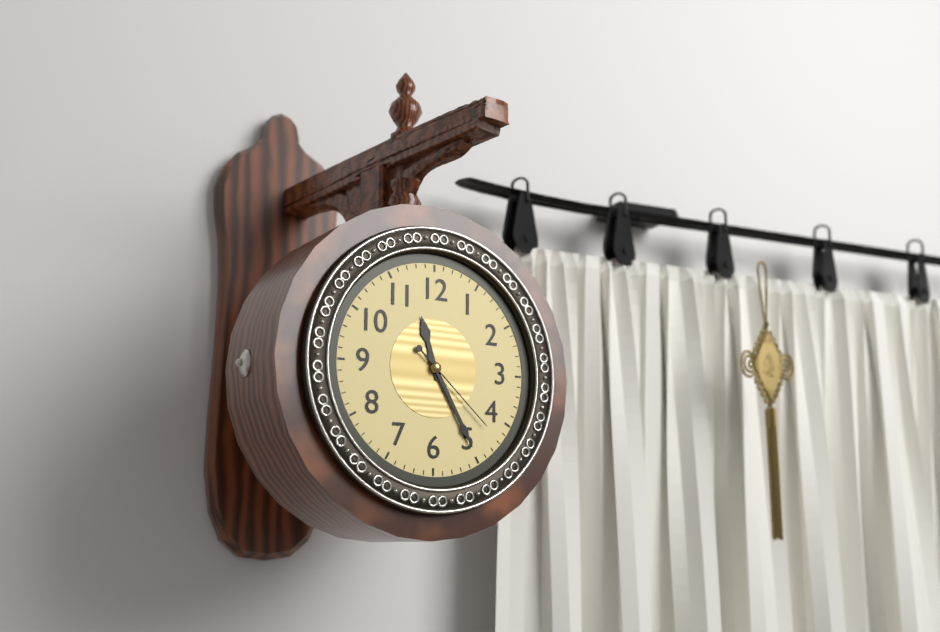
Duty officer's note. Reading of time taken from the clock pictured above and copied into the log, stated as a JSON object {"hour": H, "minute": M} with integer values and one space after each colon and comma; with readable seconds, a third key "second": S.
{"hour": 11, "minute": 25, "second": 22}
